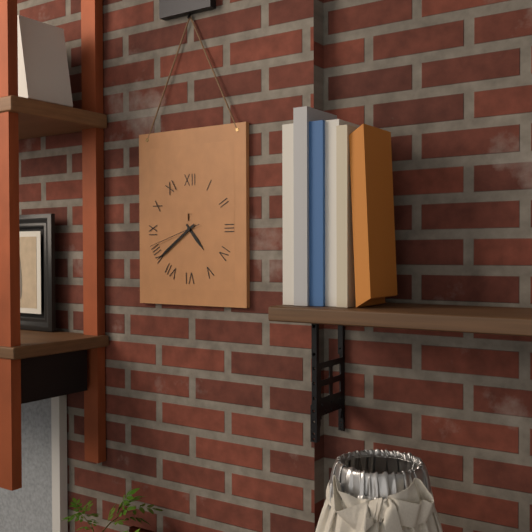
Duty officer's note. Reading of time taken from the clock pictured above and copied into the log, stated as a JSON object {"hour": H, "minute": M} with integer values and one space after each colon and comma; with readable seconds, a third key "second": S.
{"hour": 4, "minute": 39, "second": 42}
